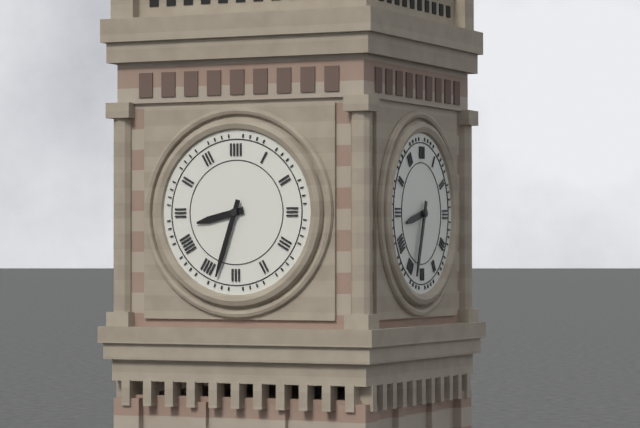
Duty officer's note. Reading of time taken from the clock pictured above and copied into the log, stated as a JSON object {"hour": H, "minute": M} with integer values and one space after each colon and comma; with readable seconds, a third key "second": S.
{"hour": 8, "minute": 33}
